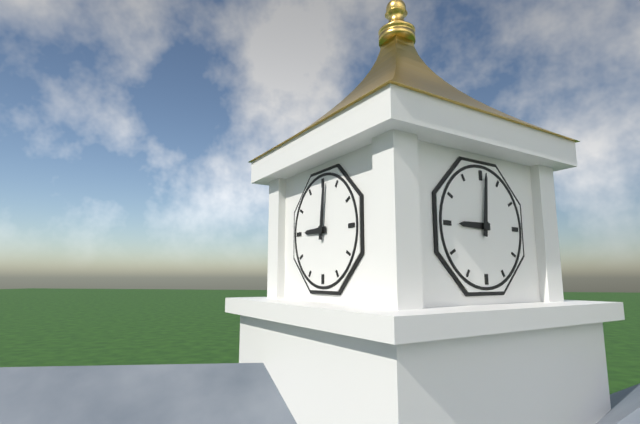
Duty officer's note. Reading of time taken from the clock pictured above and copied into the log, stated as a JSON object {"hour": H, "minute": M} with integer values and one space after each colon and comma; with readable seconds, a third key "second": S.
{"hour": 9, "minute": 1}
